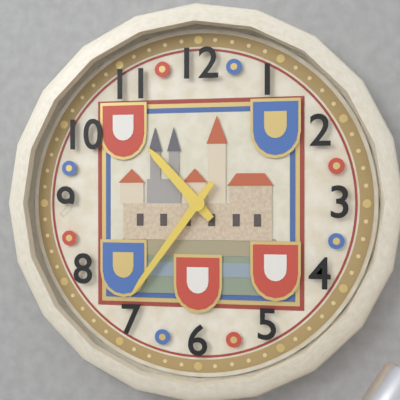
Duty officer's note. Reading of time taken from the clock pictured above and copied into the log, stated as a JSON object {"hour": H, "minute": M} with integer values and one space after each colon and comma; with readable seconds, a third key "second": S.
{"hour": 10, "minute": 36}
